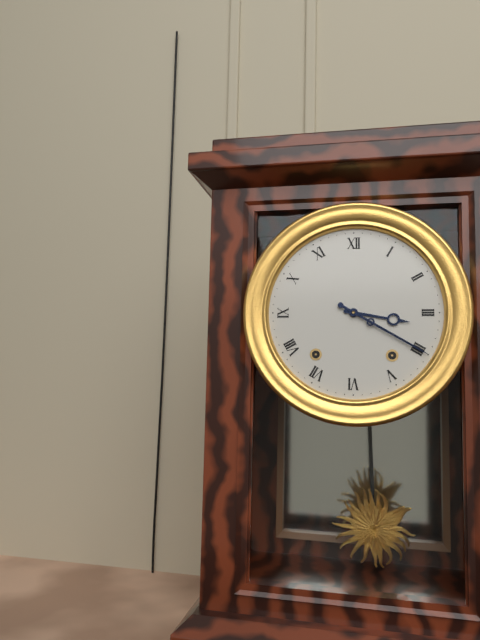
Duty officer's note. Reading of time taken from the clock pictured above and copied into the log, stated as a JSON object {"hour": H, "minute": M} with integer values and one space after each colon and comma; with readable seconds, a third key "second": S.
{"hour": 3, "minute": 20}
